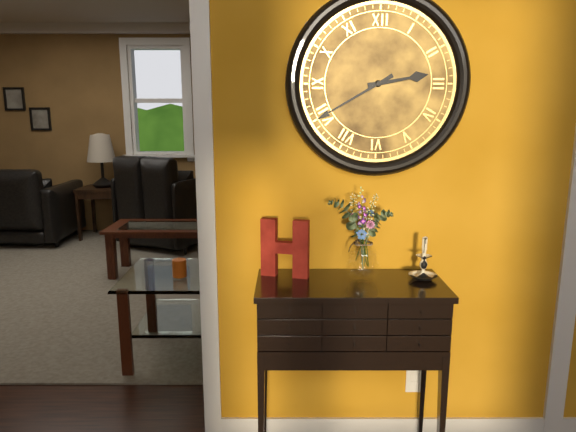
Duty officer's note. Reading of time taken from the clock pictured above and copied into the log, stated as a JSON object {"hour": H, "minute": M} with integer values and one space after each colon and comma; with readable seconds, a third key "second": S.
{"hour": 2, "minute": 40}
